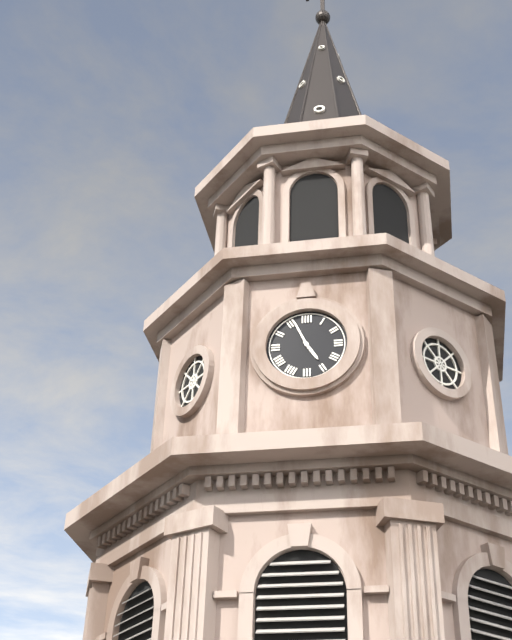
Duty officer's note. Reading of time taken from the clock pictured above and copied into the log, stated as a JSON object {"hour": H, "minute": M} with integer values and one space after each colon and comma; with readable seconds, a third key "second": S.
{"hour": 4, "minute": 56}
